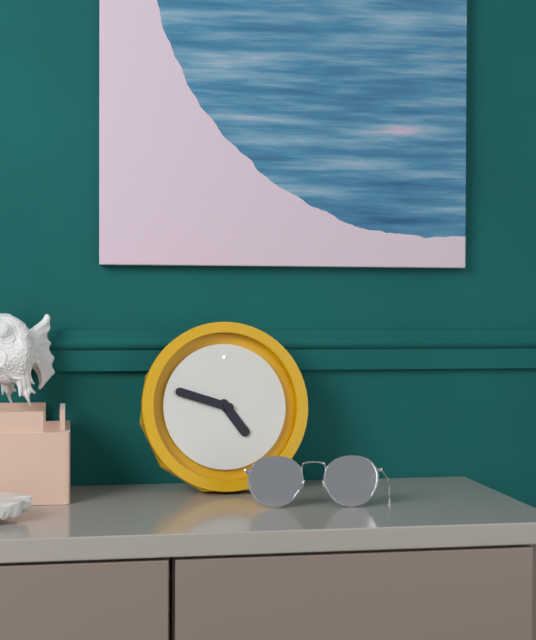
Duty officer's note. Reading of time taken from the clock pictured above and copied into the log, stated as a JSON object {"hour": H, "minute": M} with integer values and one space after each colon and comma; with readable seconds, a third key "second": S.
{"hour": 4, "minute": 48}
